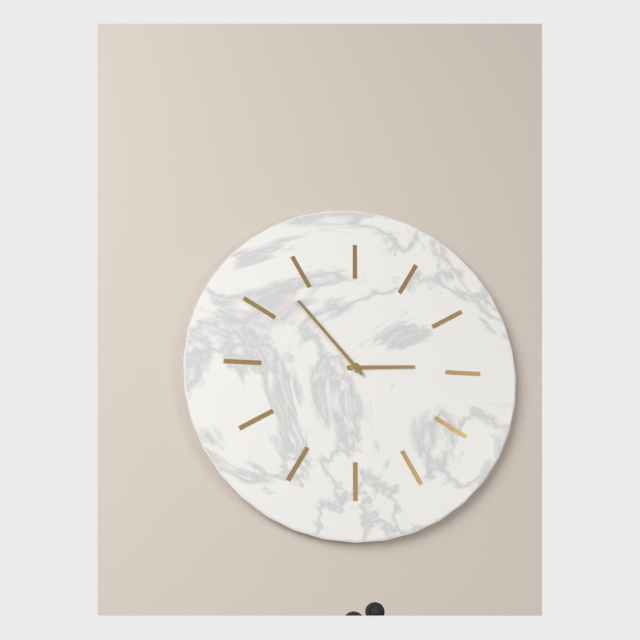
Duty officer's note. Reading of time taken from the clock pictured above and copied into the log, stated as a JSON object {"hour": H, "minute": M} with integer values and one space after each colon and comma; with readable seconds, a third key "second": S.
{"hour": 2, "minute": 53}
